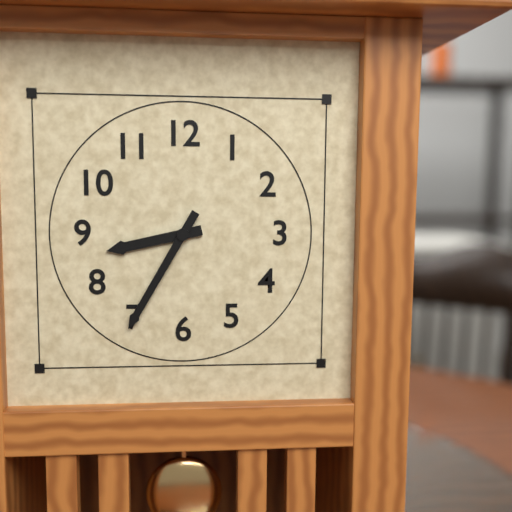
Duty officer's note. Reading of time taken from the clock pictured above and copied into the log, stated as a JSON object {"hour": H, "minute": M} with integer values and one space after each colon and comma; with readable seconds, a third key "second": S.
{"hour": 8, "minute": 35}
